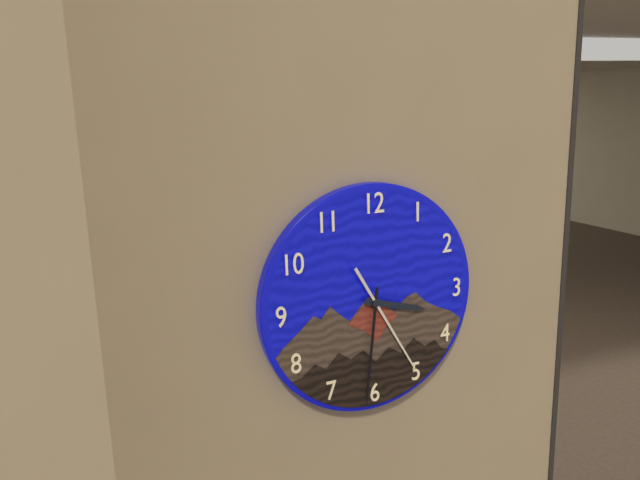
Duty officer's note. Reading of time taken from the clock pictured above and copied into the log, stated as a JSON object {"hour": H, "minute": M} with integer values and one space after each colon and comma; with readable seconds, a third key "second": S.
{"hour": 3, "minute": 31, "second": 25}
